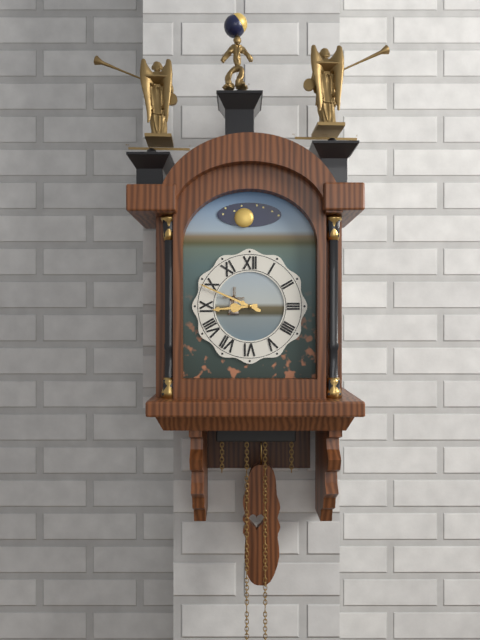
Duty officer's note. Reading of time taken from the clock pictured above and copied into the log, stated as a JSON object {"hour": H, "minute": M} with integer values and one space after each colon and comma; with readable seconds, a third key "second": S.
{"hour": 8, "minute": 49}
